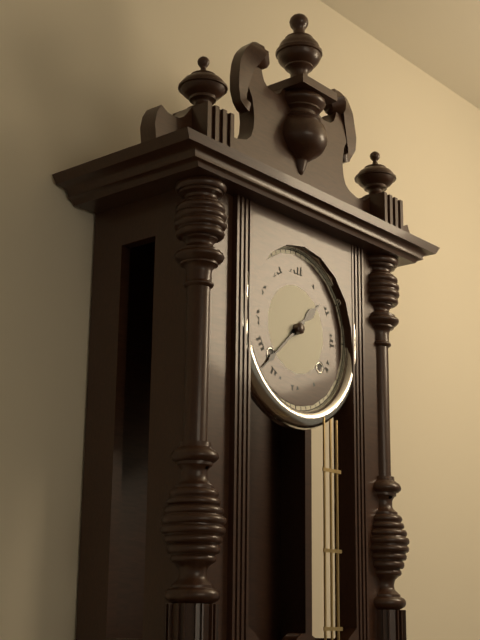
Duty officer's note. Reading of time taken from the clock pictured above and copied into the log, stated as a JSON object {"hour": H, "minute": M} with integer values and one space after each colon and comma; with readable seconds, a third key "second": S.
{"hour": 1, "minute": 38}
